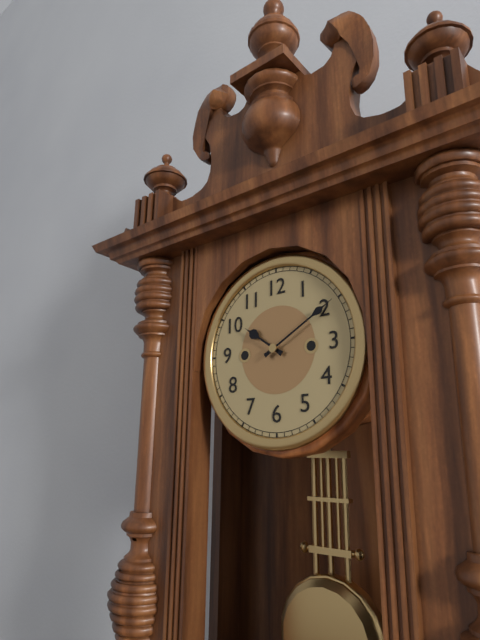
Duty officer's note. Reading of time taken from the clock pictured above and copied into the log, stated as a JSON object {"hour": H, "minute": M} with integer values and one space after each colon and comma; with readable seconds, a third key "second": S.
{"hour": 10, "minute": 10}
